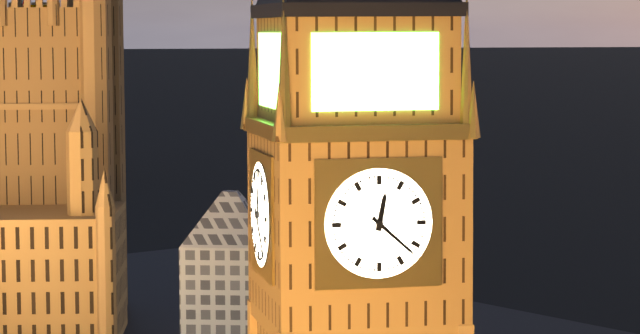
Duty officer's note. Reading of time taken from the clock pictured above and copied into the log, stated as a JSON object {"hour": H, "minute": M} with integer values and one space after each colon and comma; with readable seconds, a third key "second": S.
{"hour": 12, "minute": 22}
